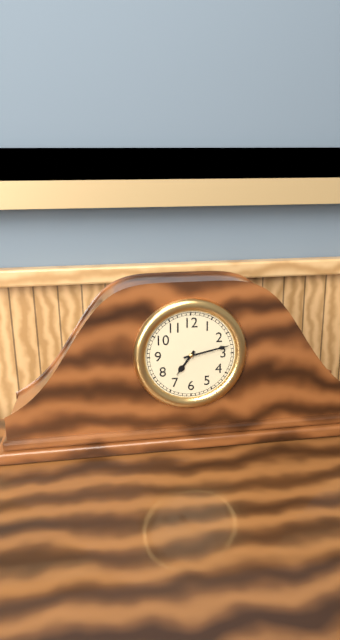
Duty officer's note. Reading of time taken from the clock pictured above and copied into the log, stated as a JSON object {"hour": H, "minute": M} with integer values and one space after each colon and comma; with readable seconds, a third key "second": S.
{"hour": 7, "minute": 13}
